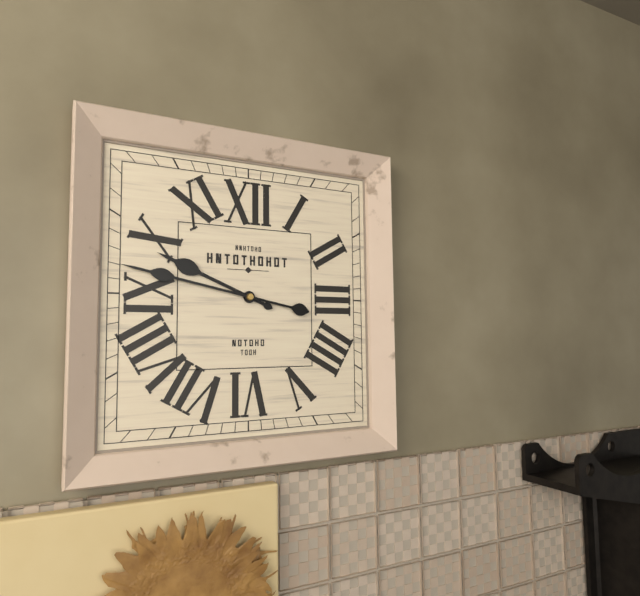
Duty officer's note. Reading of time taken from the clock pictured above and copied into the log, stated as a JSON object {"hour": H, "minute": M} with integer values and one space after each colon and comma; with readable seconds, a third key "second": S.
{"hour": 9, "minute": 47}
